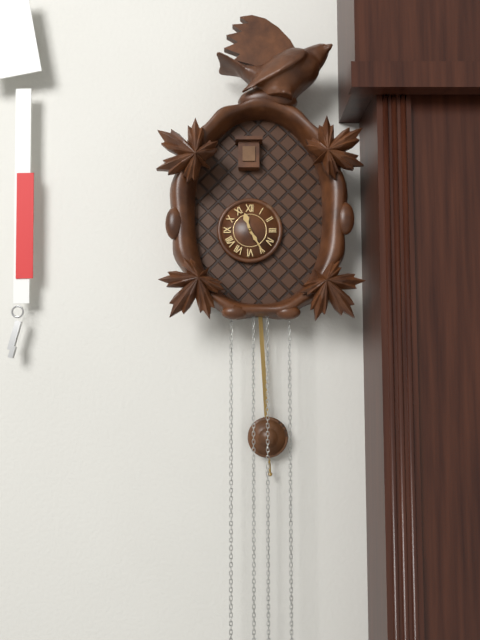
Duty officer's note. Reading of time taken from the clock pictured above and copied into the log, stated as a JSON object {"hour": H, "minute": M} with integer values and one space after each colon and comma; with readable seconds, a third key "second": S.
{"hour": 11, "minute": 25}
